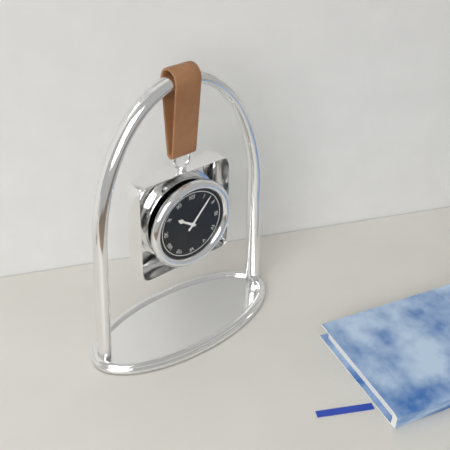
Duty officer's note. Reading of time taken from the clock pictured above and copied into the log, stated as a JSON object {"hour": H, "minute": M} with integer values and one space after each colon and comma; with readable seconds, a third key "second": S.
{"hour": 10, "minute": 7}
